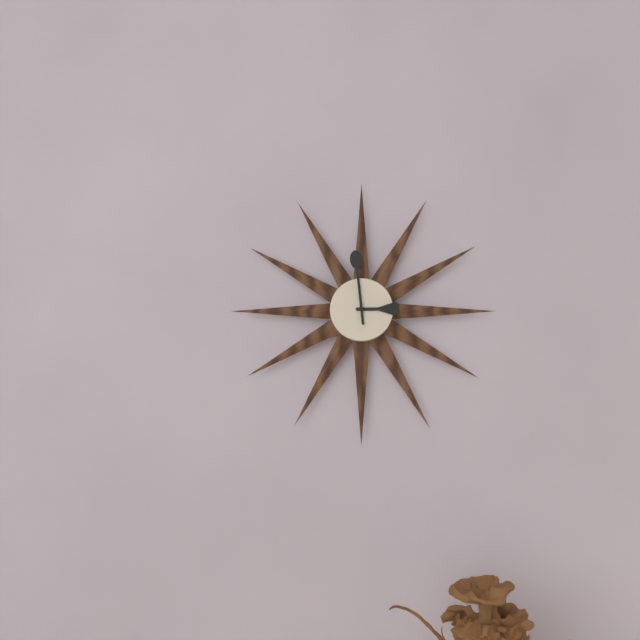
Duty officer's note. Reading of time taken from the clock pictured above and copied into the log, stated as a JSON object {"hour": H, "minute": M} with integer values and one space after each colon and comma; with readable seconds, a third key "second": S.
{"hour": 2, "minute": 59}
